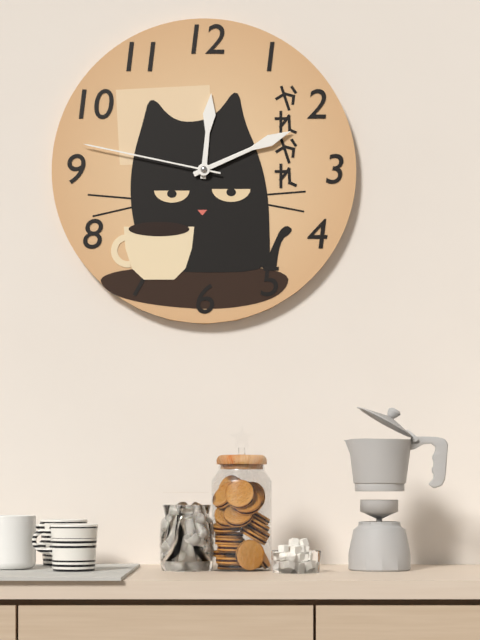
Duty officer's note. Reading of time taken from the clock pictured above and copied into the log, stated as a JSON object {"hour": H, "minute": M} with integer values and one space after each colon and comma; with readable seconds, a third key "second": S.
{"hour": 12, "minute": 11, "second": 47}
